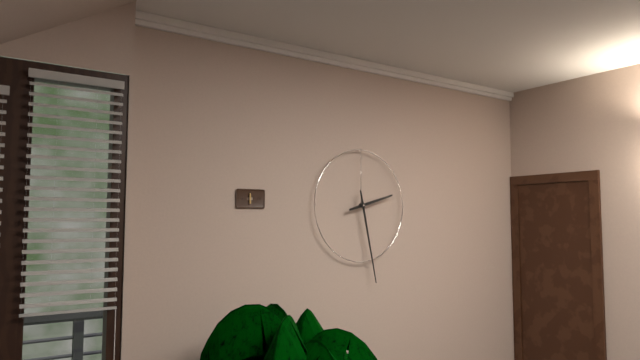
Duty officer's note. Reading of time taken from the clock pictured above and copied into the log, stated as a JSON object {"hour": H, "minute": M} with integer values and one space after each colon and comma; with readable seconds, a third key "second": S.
{"hour": 2, "minute": 28}
